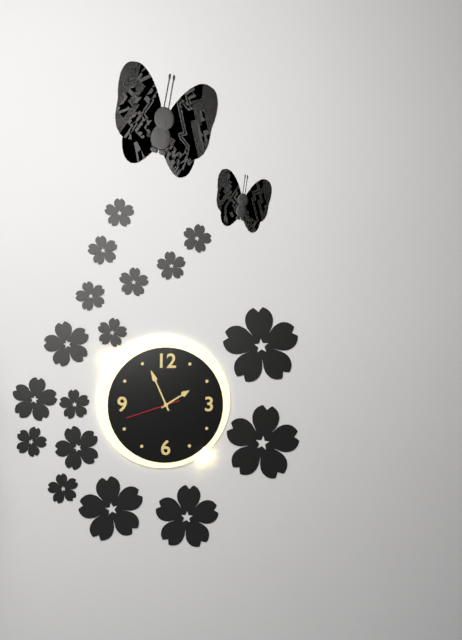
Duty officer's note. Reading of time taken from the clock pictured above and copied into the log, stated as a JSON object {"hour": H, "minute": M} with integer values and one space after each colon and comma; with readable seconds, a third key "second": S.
{"hour": 1, "minute": 56, "second": 42}
